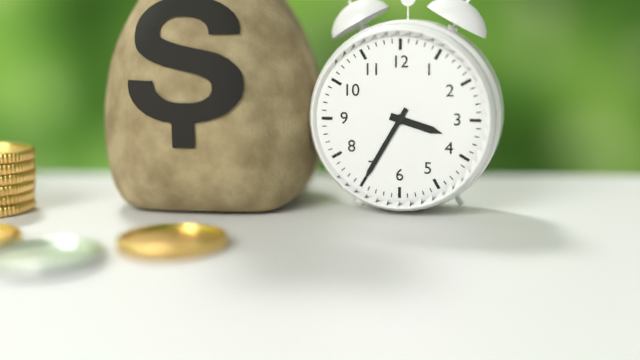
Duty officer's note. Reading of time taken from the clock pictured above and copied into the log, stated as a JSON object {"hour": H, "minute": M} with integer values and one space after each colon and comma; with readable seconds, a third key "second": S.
{"hour": 3, "minute": 35}
